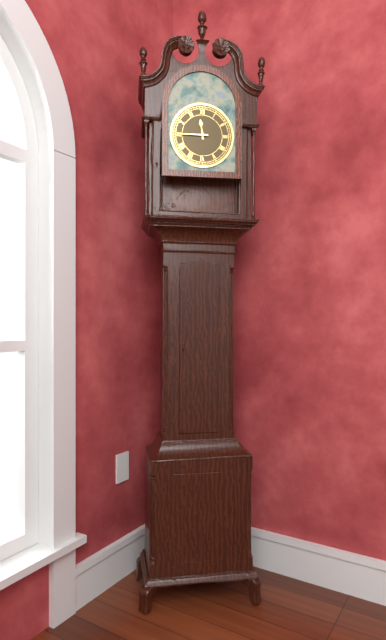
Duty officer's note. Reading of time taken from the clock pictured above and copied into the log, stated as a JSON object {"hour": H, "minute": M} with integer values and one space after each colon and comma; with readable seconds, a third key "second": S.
{"hour": 11, "minute": 45}
